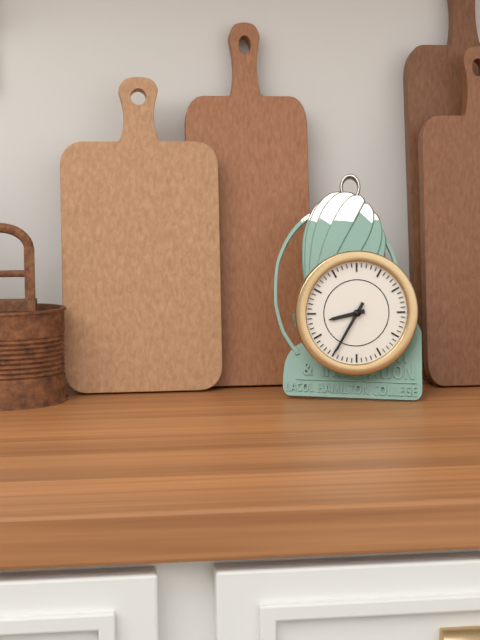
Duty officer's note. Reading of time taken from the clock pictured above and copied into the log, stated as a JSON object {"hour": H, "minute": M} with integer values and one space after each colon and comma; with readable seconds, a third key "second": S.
{"hour": 8, "minute": 35}
